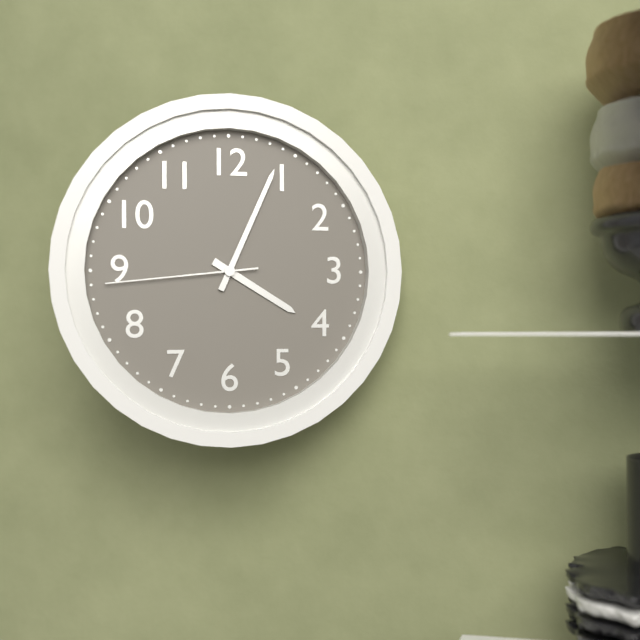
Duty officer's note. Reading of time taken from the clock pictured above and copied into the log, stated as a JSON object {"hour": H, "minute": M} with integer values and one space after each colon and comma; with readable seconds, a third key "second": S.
{"hour": 4, "minute": 4, "second": 44}
